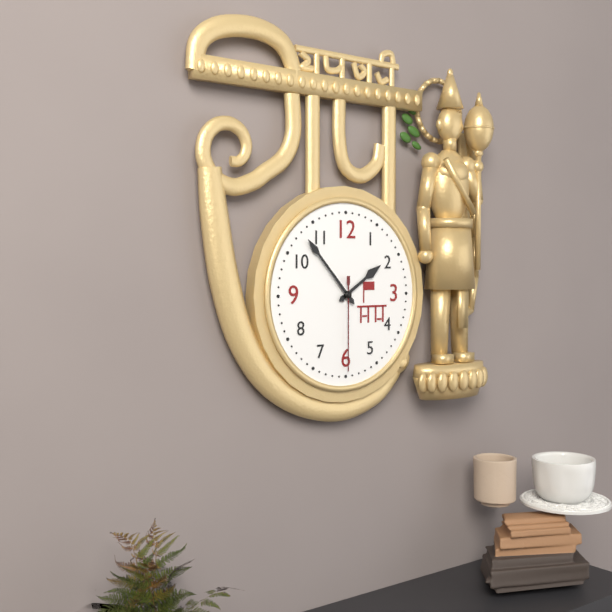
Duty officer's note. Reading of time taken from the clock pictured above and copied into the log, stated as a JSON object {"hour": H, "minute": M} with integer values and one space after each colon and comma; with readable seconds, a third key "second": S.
{"hour": 1, "minute": 53, "second": 30}
